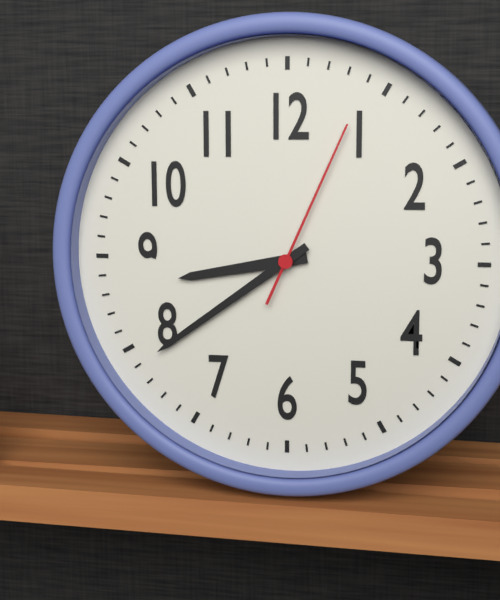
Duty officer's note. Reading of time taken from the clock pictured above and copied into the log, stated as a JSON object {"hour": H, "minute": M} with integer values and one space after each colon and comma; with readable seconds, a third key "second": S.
{"hour": 8, "minute": 39, "second": 4}
